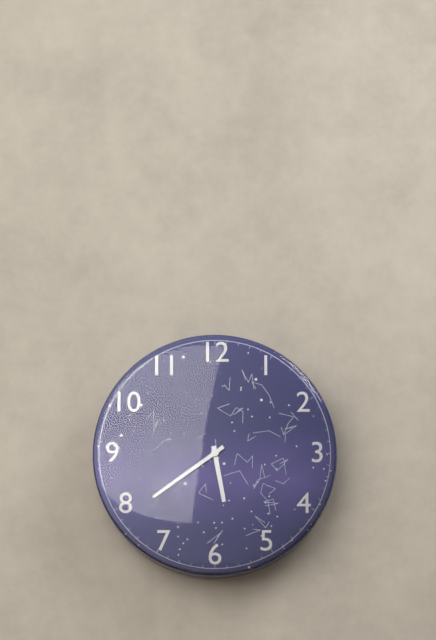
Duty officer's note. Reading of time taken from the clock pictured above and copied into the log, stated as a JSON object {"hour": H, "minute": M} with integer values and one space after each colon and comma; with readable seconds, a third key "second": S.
{"hour": 5, "minute": 39}
